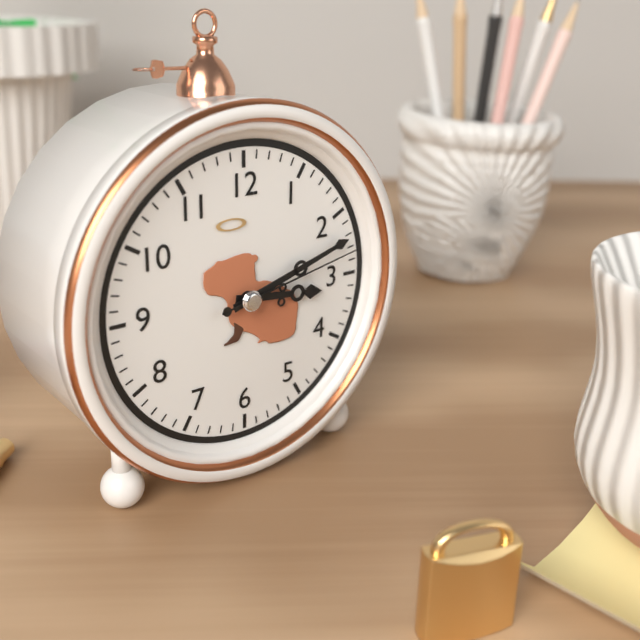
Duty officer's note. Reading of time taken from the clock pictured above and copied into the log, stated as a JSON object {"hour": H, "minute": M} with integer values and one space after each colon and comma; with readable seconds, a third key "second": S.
{"hour": 3, "minute": 12, "second": 13}
